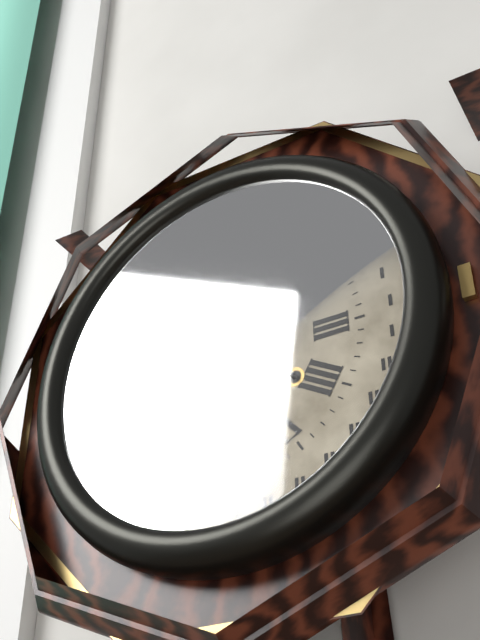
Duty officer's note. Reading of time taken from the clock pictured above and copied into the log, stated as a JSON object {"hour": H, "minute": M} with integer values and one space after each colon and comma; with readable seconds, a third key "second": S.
{"hour": 6, "minute": 39}
